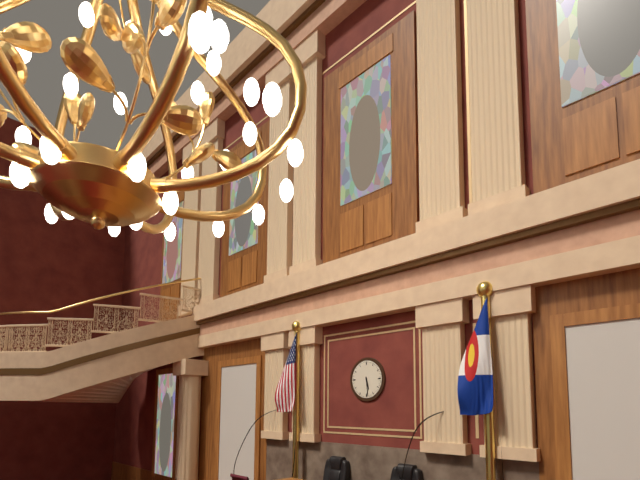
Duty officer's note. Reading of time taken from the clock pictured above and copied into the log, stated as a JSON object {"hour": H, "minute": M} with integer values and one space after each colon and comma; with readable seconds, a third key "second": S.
{"hour": 5, "minute": 29}
